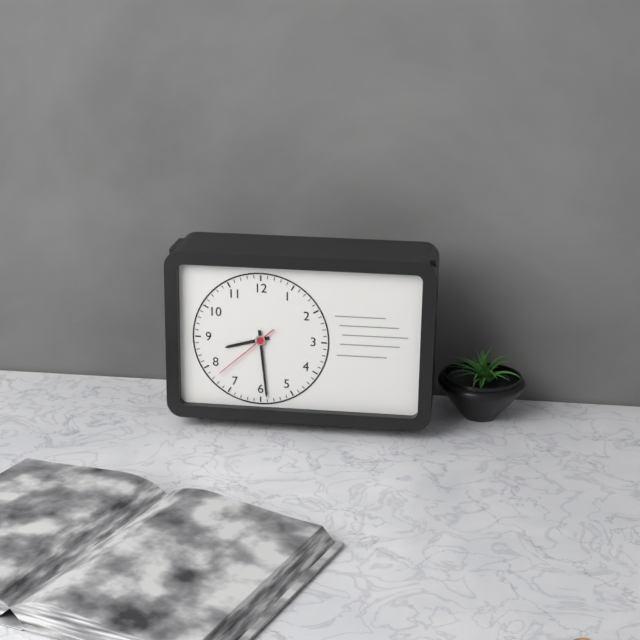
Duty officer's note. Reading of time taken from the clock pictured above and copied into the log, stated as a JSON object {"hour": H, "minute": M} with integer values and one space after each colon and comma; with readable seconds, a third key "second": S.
{"hour": 8, "minute": 29, "second": 38}
